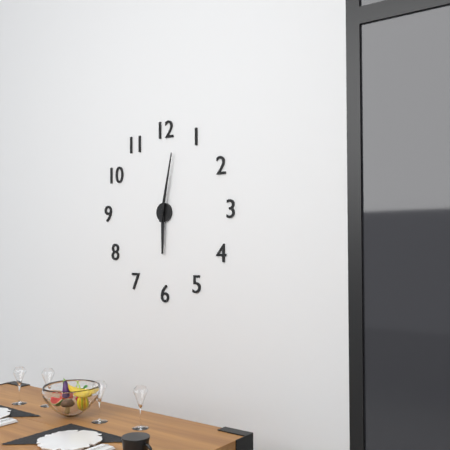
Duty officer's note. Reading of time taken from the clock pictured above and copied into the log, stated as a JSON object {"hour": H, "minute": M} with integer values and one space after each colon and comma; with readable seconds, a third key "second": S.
{"hour": 6, "minute": 2}
